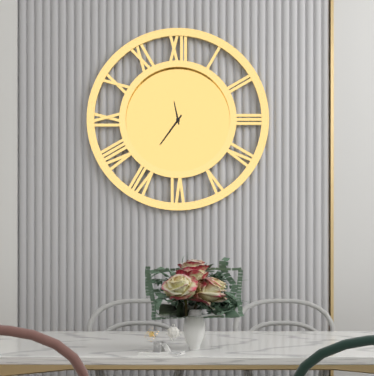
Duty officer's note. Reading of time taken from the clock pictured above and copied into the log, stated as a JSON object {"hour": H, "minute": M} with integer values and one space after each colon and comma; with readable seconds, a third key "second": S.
{"hour": 11, "minute": 36}
